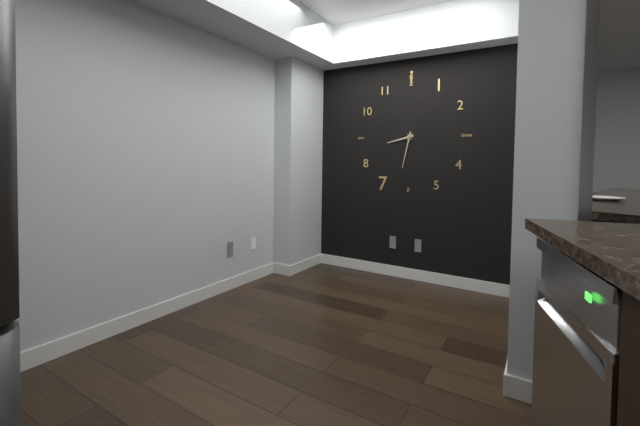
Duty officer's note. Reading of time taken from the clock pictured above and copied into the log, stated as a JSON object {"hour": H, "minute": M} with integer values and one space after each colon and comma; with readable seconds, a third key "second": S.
{"hour": 8, "minute": 32}
